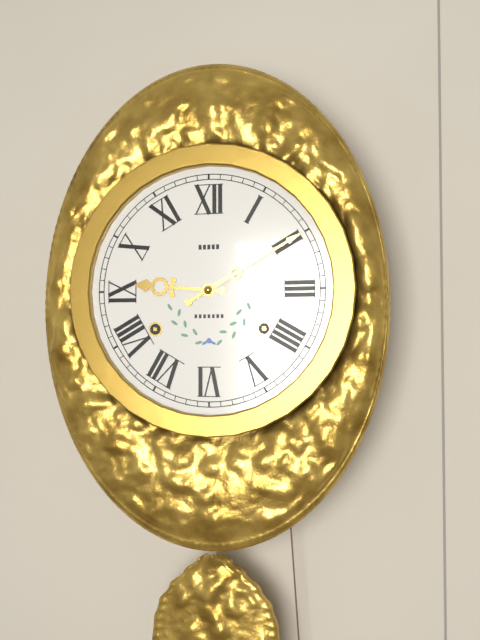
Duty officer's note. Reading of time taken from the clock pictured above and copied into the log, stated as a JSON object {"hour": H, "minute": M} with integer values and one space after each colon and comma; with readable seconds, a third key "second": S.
{"hour": 9, "minute": 10}
